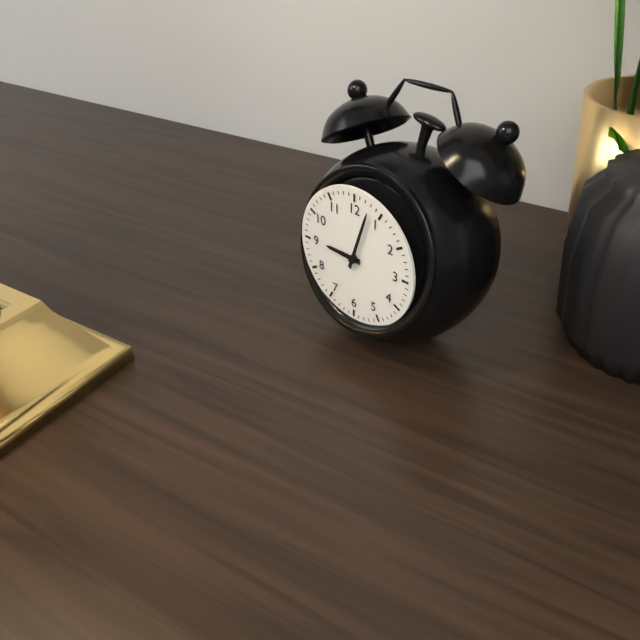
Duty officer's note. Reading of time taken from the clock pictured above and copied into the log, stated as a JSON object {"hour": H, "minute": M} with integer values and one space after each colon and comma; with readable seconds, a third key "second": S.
{"hour": 9, "minute": 3}
